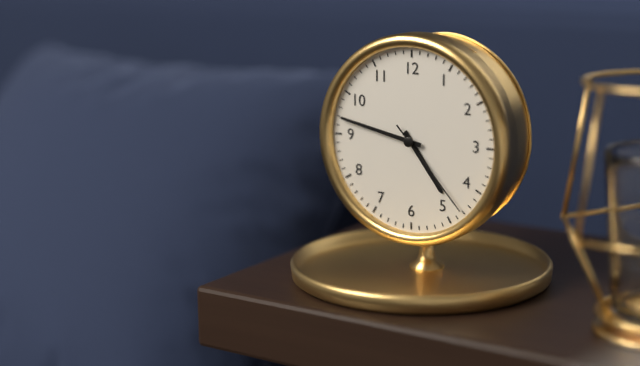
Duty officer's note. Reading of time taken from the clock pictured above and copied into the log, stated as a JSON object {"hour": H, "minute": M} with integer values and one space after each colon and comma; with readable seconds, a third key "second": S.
{"hour": 4, "minute": 47, "second": 23}
